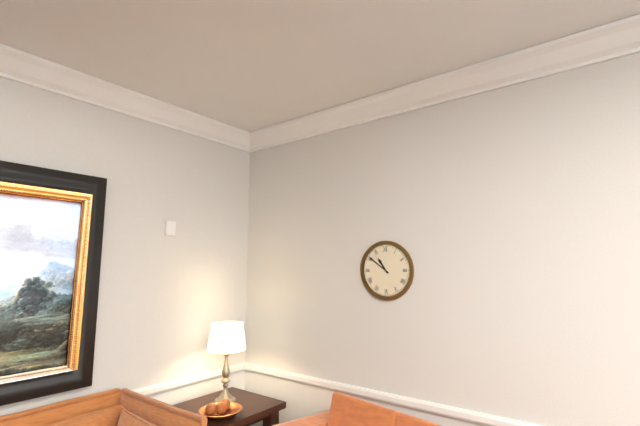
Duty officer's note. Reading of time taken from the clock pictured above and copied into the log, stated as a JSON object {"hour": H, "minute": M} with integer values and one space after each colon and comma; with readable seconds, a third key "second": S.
{"hour": 10, "minute": 51}
